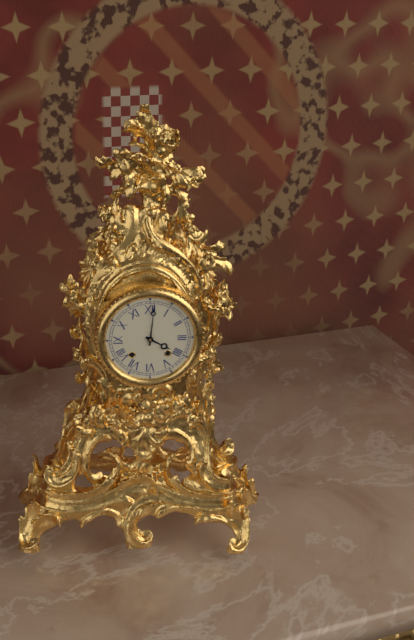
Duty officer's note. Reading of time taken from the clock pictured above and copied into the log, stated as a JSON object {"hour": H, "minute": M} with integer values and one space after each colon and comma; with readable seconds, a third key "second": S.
{"hour": 4, "minute": 1}
